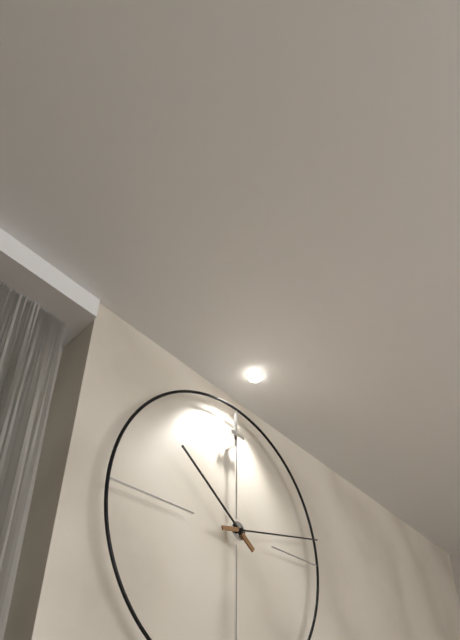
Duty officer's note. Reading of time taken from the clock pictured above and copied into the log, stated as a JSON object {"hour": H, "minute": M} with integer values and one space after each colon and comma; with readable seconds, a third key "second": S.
{"hour": 10, "minute": 13}
